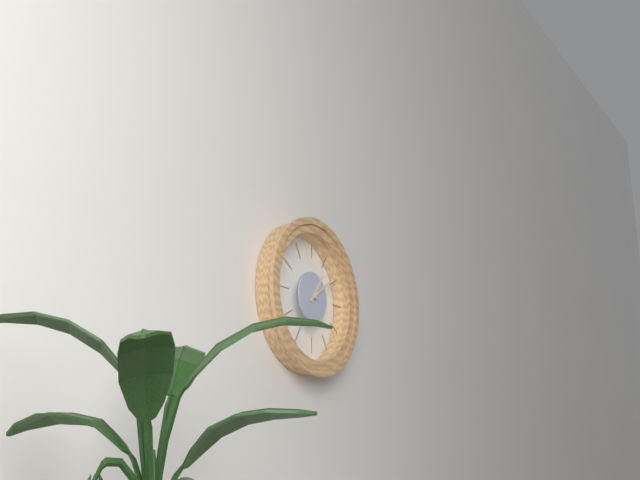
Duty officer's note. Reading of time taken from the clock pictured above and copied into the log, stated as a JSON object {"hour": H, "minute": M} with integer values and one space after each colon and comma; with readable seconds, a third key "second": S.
{"hour": 1, "minute": 9}
